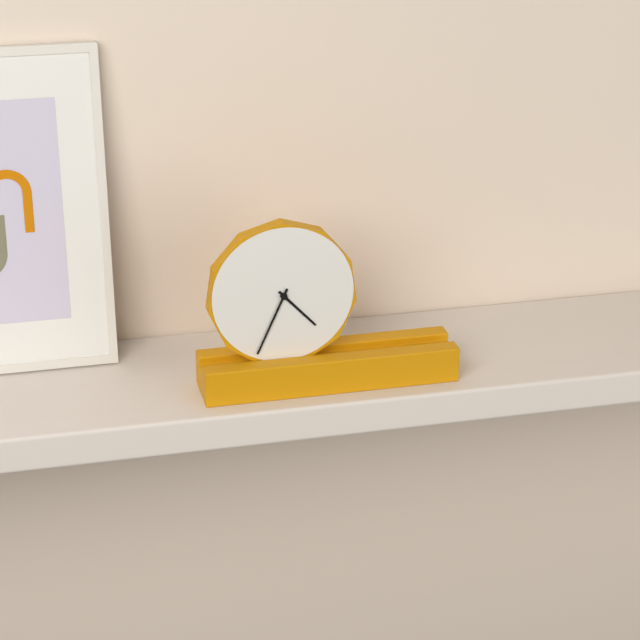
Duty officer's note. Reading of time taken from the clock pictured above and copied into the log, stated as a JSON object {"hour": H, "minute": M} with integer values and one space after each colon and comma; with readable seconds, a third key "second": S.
{"hour": 4, "minute": 34}
